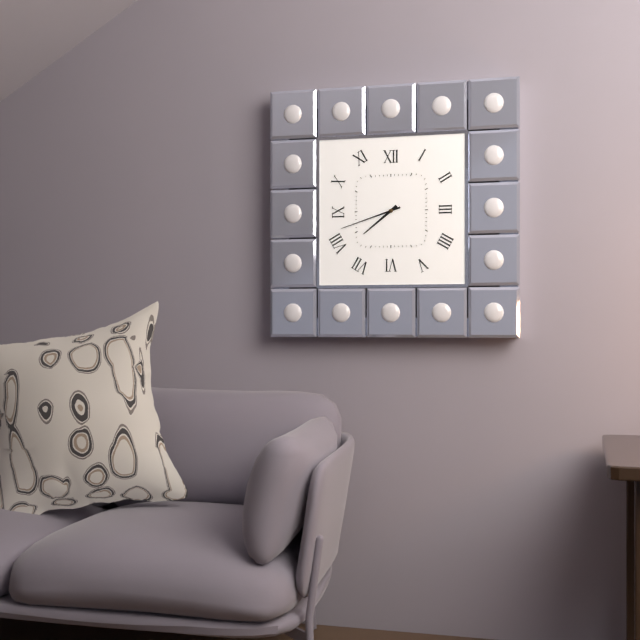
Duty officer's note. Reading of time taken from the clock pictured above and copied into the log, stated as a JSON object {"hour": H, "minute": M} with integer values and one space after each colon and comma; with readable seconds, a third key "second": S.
{"hour": 7, "minute": 42}
